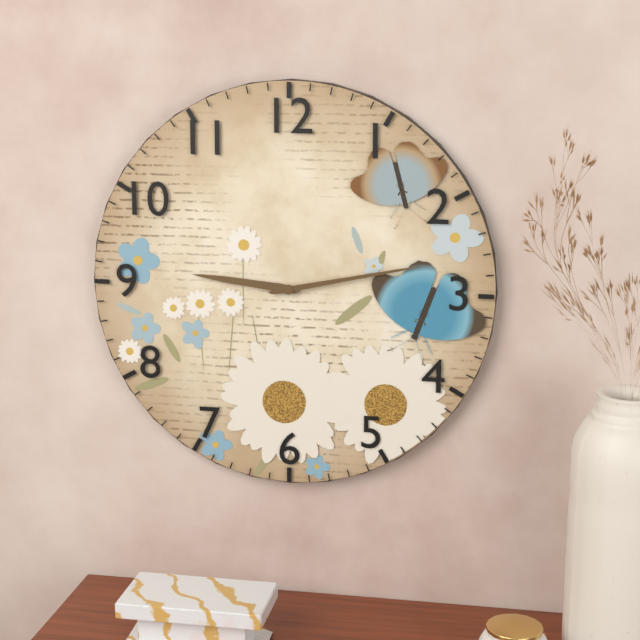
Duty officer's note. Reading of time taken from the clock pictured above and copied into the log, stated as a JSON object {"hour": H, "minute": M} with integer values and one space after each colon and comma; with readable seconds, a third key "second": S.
{"hour": 9, "minute": 13}
